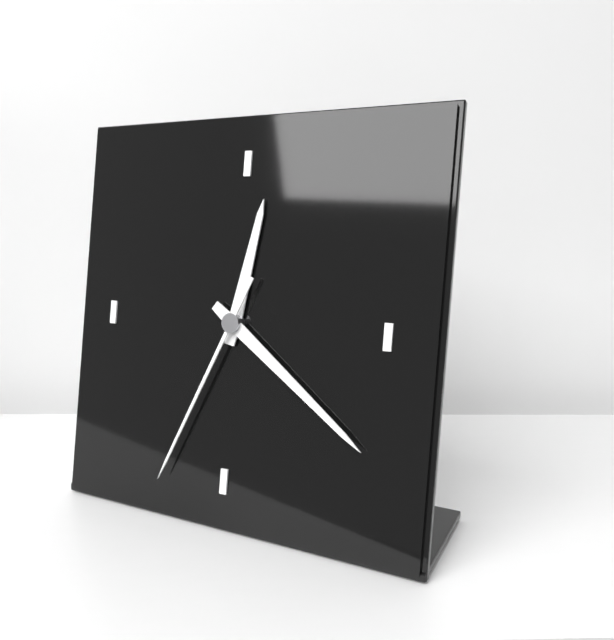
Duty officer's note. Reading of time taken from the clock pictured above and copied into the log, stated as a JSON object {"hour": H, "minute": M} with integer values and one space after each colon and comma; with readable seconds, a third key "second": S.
{"hour": 12, "minute": 21, "second": 34}
